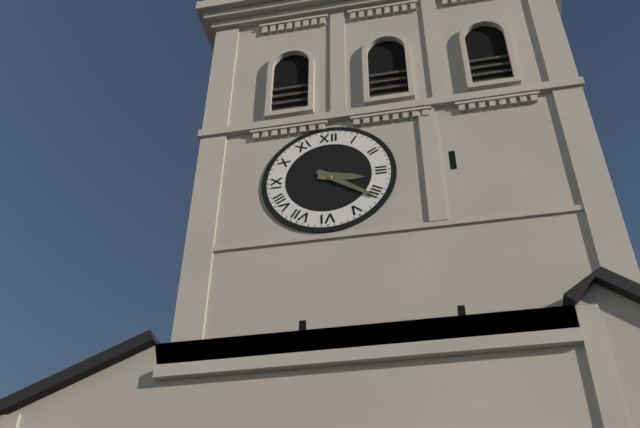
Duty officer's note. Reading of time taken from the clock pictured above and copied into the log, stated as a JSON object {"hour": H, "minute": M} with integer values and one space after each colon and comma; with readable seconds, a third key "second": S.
{"hour": 3, "minute": 21}
